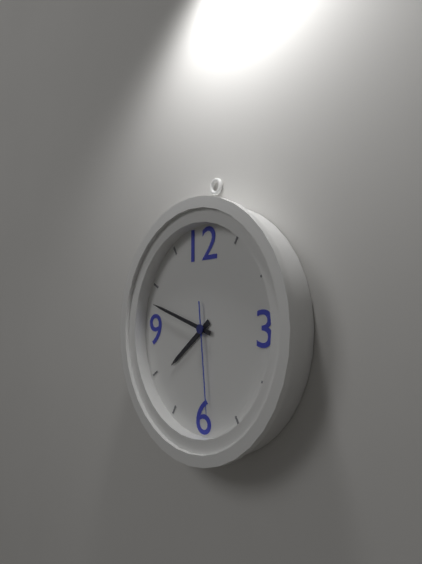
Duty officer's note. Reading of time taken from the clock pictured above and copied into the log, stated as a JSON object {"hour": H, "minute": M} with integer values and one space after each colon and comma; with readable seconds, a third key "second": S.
{"hour": 7, "minute": 48, "second": 29}
